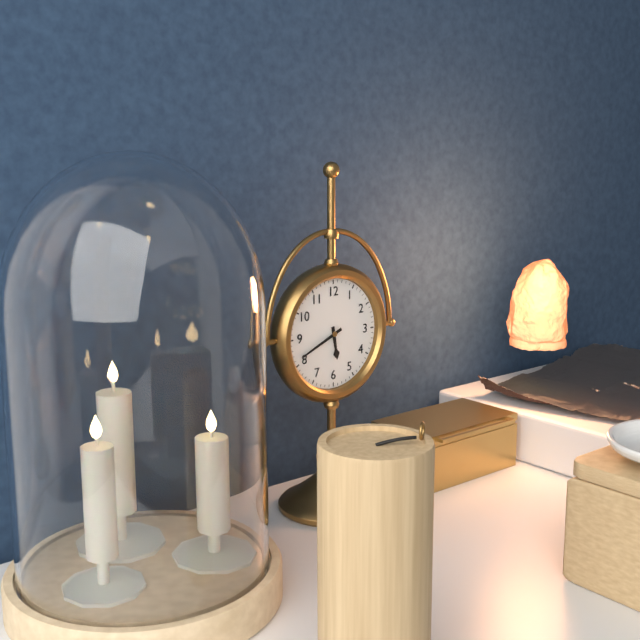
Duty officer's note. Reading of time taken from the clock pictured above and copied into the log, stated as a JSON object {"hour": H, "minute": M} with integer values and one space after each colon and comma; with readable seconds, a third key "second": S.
{"hour": 5, "minute": 41}
